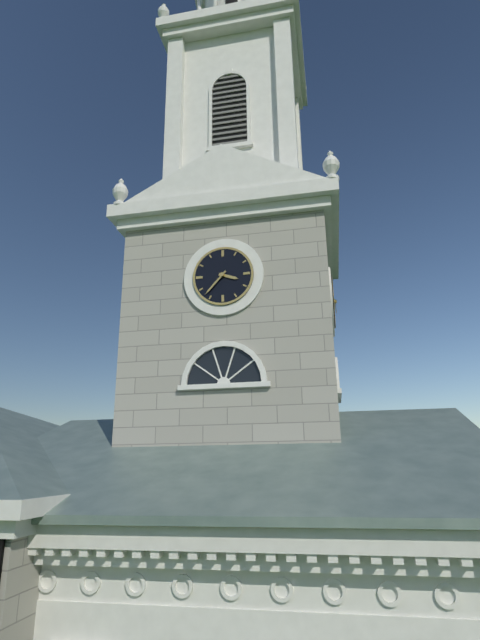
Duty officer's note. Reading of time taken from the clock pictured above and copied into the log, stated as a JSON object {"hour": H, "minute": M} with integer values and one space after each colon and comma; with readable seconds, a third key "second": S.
{"hour": 3, "minute": 37}
